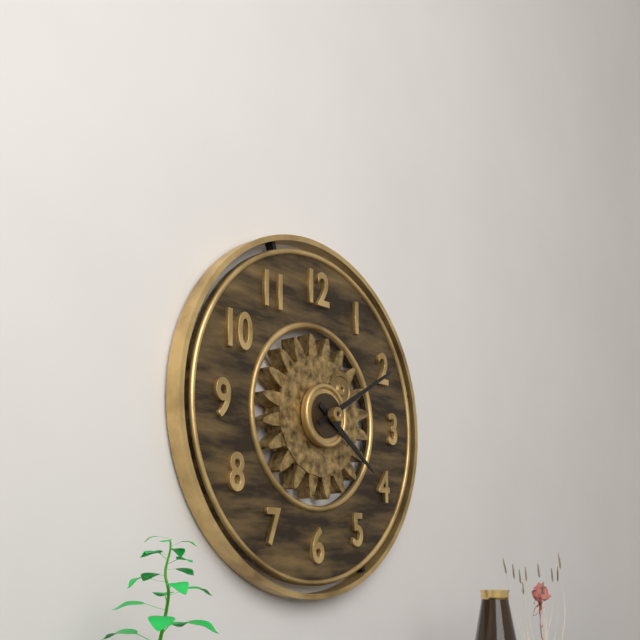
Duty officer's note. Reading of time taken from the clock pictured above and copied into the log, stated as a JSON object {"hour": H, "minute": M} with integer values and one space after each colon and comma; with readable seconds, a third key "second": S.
{"hour": 4, "minute": 10}
